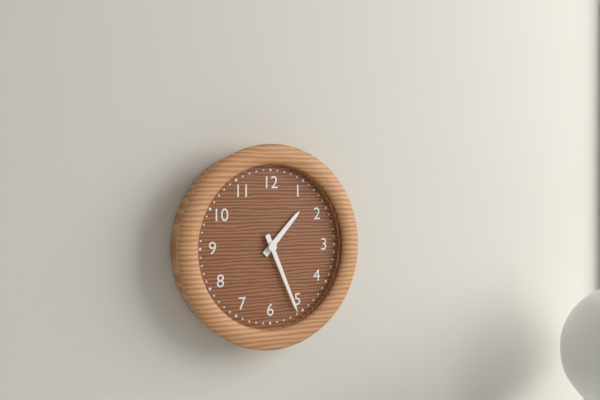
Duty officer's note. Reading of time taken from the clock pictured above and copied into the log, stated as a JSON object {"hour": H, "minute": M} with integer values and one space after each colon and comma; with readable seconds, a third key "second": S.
{"hour": 1, "minute": 26}
